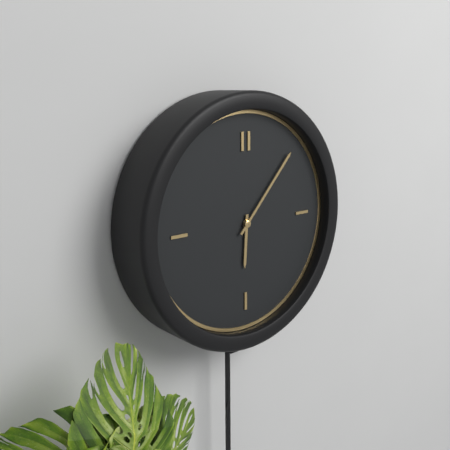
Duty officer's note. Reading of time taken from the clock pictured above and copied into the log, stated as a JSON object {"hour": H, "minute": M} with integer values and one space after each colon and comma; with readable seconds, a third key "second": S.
{"hour": 6, "minute": 7}
